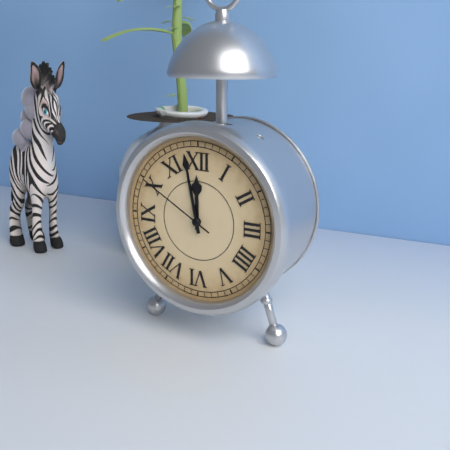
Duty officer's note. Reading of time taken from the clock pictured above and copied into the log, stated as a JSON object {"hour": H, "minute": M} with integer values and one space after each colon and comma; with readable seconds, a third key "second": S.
{"hour": 11, "minute": 58, "second": 50}
